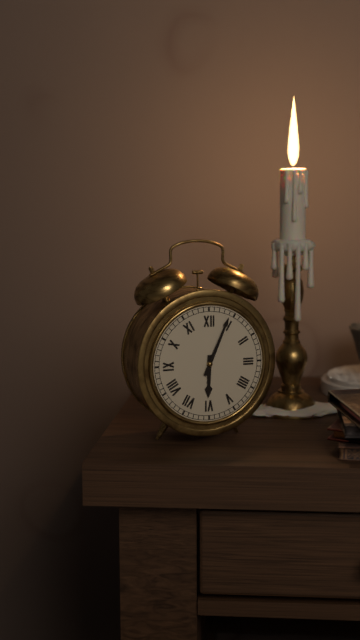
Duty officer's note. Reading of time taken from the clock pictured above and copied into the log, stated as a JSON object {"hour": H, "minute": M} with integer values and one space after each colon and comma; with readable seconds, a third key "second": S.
{"hour": 6, "minute": 4}
